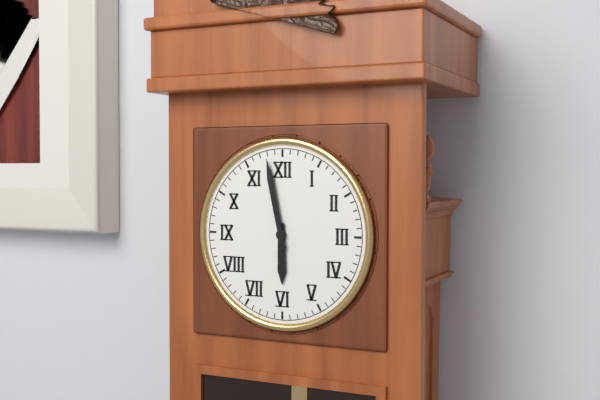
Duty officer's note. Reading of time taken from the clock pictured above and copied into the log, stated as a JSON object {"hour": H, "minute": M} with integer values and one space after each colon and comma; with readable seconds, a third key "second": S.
{"hour": 5, "minute": 58}
